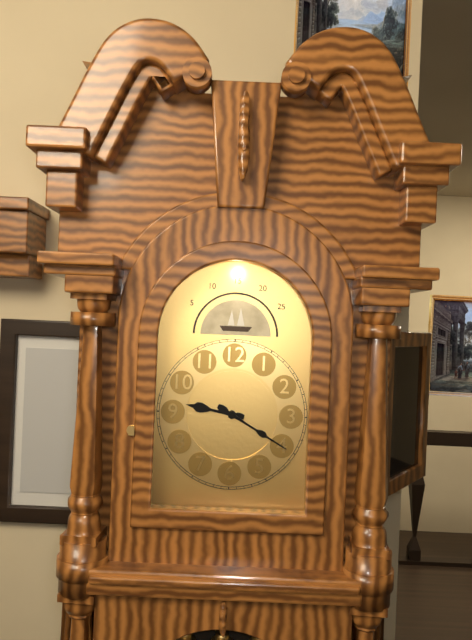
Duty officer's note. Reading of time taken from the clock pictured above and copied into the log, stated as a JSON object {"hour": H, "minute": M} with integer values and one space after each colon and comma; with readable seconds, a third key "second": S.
{"hour": 9, "minute": 20}
